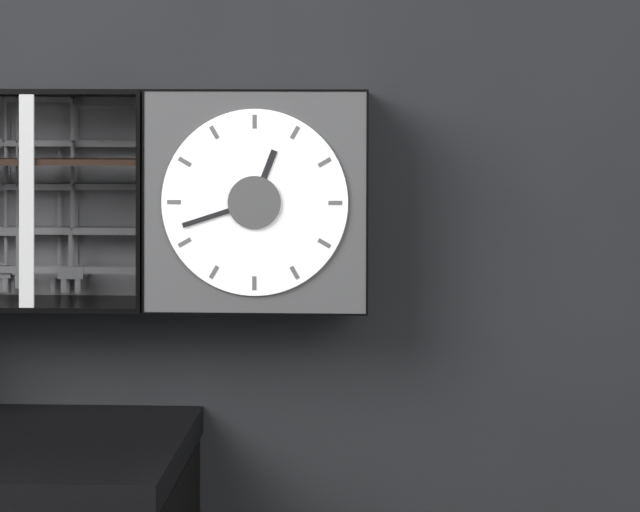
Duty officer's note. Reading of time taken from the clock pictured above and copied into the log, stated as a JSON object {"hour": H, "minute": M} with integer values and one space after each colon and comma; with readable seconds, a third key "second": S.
{"hour": 12, "minute": 42}
